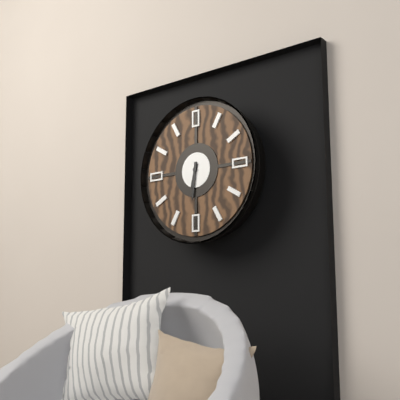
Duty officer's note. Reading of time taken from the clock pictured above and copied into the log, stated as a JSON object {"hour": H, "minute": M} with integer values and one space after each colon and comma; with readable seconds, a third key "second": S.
{"hour": 6, "minute": 31}
